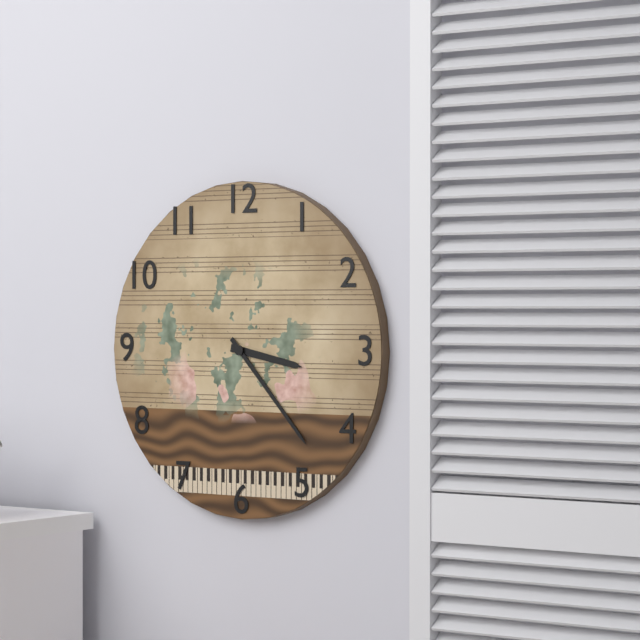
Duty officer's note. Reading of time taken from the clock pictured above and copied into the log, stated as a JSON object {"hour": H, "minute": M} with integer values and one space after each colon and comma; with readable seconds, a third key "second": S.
{"hour": 3, "minute": 23}
